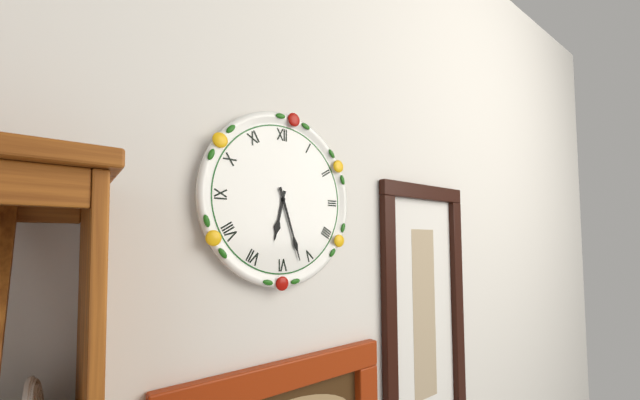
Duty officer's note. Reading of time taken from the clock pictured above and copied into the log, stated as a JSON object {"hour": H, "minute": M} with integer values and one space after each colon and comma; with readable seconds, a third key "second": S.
{"hour": 6, "minute": 27}
